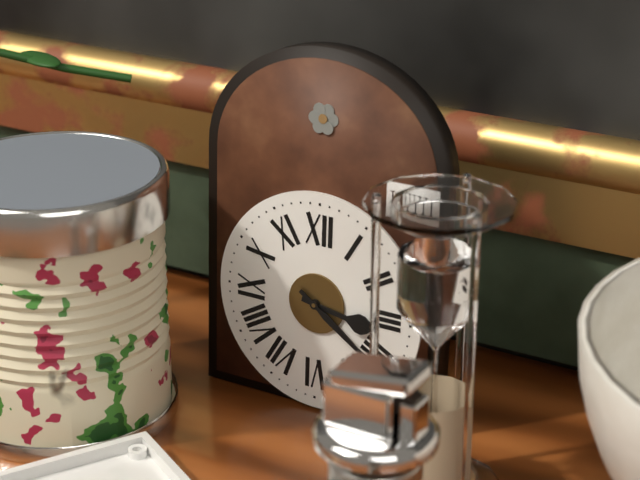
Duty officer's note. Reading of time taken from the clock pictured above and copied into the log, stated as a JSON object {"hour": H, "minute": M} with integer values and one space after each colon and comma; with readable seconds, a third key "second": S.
{"hour": 3, "minute": 21}
